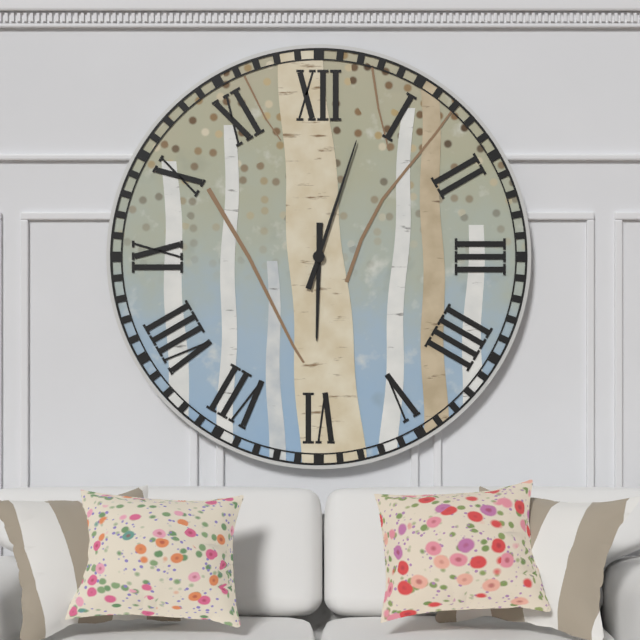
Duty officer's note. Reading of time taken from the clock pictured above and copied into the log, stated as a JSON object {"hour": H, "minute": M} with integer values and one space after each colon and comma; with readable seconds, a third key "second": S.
{"hour": 6, "minute": 3}
